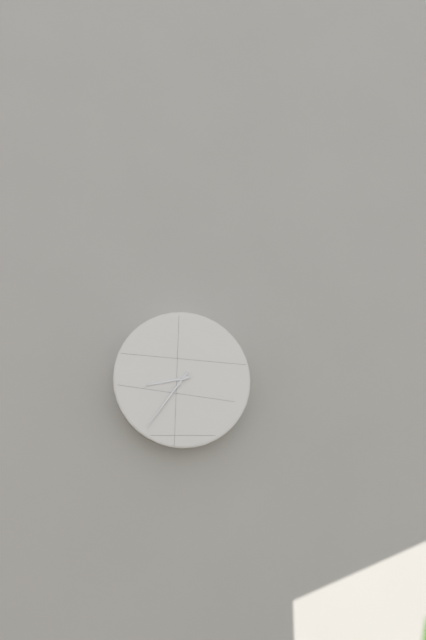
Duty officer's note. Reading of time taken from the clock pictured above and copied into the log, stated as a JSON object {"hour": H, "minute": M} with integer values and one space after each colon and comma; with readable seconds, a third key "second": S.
{"hour": 8, "minute": 36}
